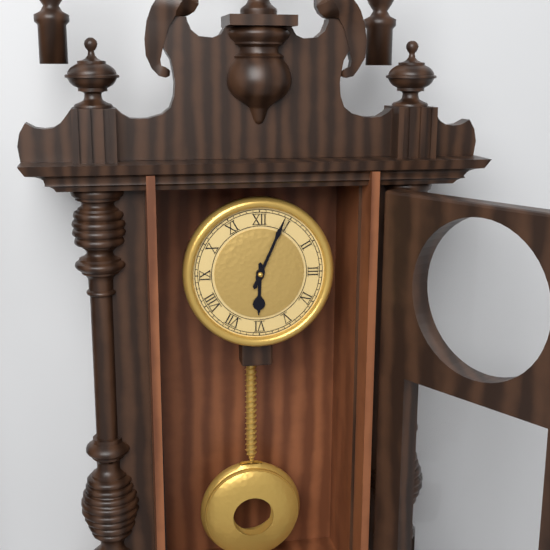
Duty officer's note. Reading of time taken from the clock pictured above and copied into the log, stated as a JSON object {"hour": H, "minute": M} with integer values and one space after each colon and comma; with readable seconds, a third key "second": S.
{"hour": 6, "minute": 4}
